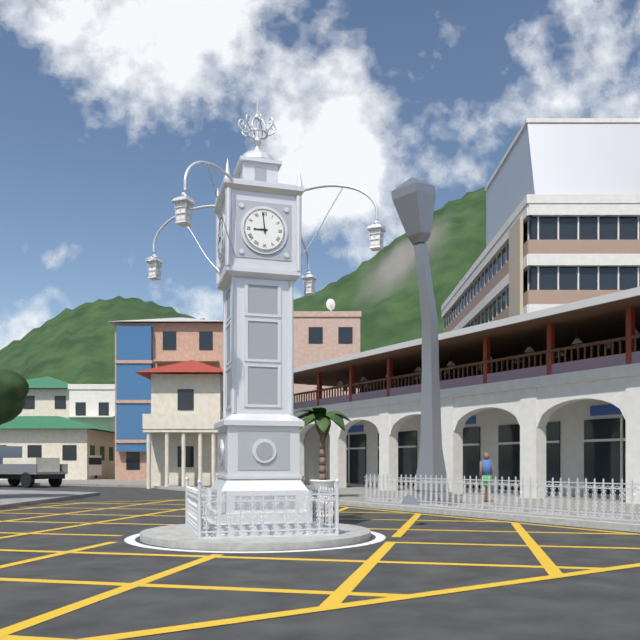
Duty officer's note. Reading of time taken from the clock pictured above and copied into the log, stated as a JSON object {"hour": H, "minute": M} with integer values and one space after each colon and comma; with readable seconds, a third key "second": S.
{"hour": 8, "minute": 59}
